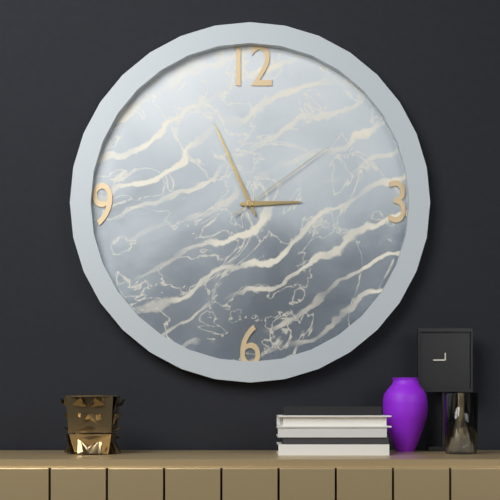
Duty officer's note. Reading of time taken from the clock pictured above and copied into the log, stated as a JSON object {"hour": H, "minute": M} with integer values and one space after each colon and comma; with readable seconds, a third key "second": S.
{"hour": 2, "minute": 56, "second": 9}
